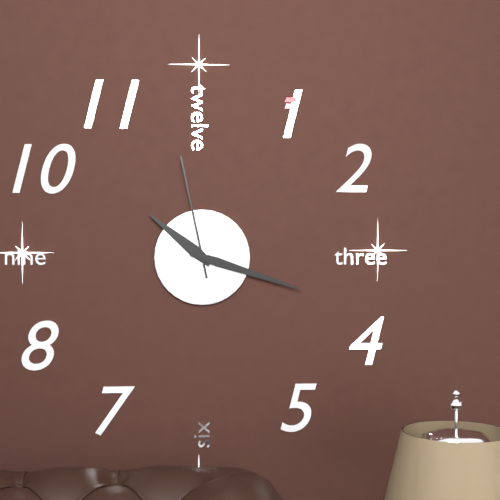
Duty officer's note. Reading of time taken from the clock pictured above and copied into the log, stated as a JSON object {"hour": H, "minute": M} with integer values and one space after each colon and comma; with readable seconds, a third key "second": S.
{"hour": 10, "minute": 18, "second": 58}
